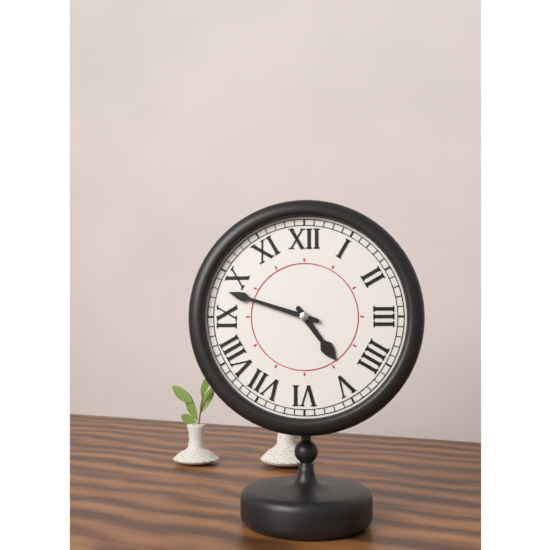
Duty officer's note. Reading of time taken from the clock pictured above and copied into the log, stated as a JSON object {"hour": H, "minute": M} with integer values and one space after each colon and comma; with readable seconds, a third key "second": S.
{"hour": 4, "minute": 48}
